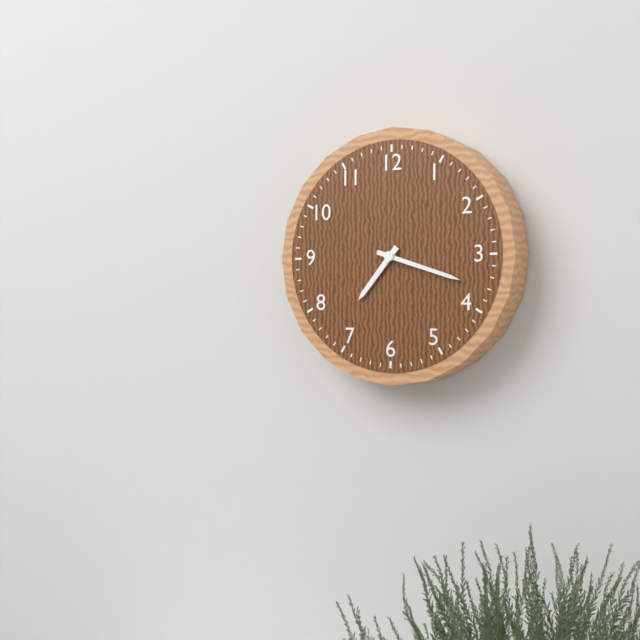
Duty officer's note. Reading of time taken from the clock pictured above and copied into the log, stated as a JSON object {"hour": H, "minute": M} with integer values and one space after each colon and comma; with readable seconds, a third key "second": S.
{"hour": 7, "minute": 18}
